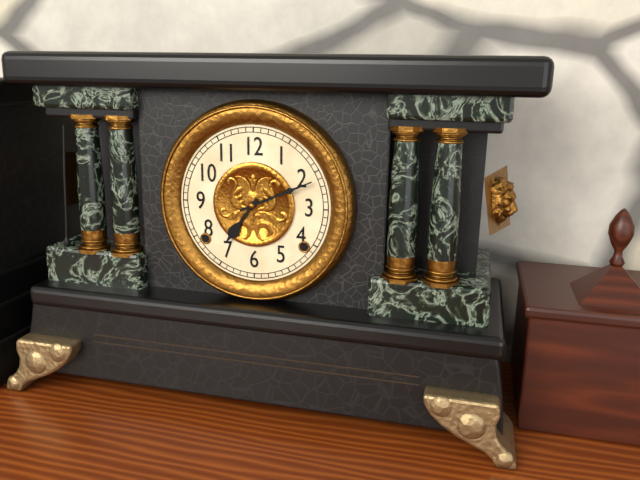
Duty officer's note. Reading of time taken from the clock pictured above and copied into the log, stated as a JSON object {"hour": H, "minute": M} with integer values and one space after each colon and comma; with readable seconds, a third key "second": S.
{"hour": 7, "minute": 11}
